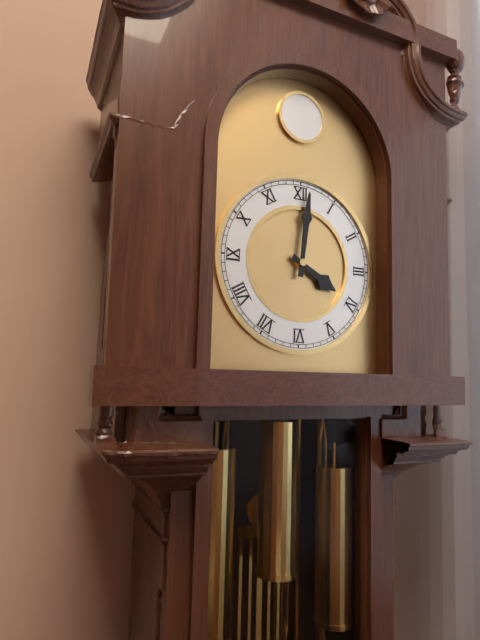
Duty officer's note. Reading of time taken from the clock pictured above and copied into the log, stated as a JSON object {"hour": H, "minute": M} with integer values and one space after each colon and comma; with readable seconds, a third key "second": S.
{"hour": 4, "minute": 1}
